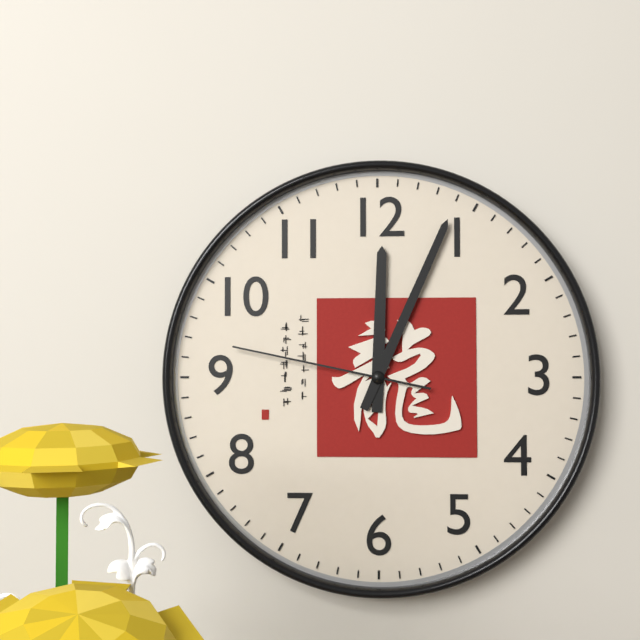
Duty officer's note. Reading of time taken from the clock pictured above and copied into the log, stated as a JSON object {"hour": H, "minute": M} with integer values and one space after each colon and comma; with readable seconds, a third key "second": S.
{"hour": 12, "minute": 4, "second": 47}
